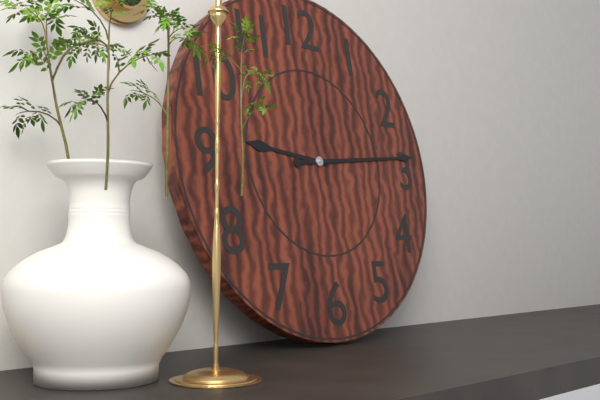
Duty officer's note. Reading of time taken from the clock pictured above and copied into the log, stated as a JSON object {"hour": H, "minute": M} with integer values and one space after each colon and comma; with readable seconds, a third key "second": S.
{"hour": 9, "minute": 14}
